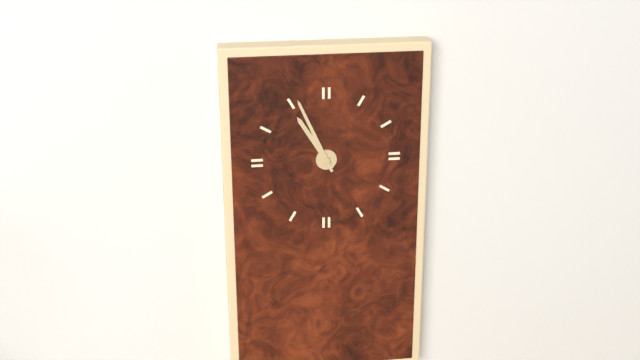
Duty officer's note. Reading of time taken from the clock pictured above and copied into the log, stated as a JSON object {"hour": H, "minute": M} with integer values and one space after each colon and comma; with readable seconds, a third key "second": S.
{"hour": 10, "minute": 56}
